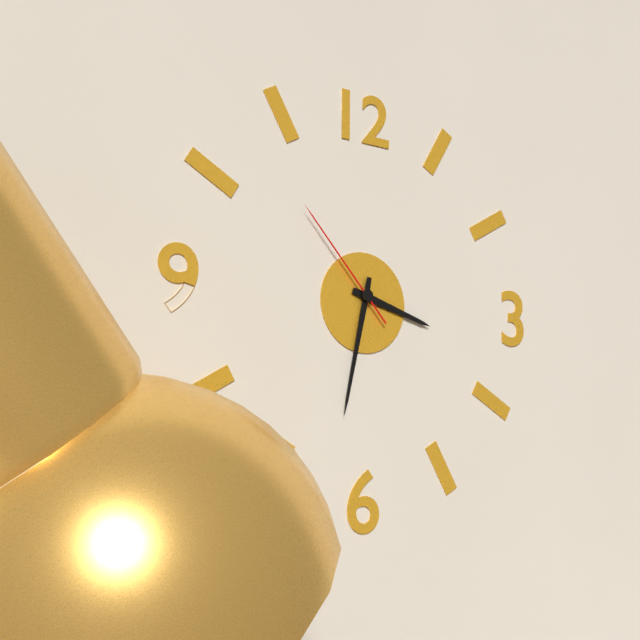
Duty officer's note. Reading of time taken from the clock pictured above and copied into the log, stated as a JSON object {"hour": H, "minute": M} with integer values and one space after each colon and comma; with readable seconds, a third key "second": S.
{"hour": 3, "minute": 32, "second": 53}
